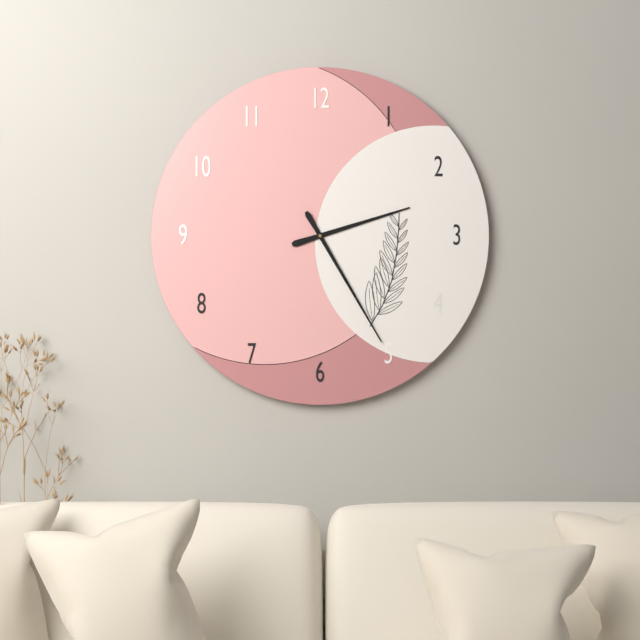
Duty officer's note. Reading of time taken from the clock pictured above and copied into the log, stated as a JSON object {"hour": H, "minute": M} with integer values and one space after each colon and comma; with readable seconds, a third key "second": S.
{"hour": 2, "minute": 25}
